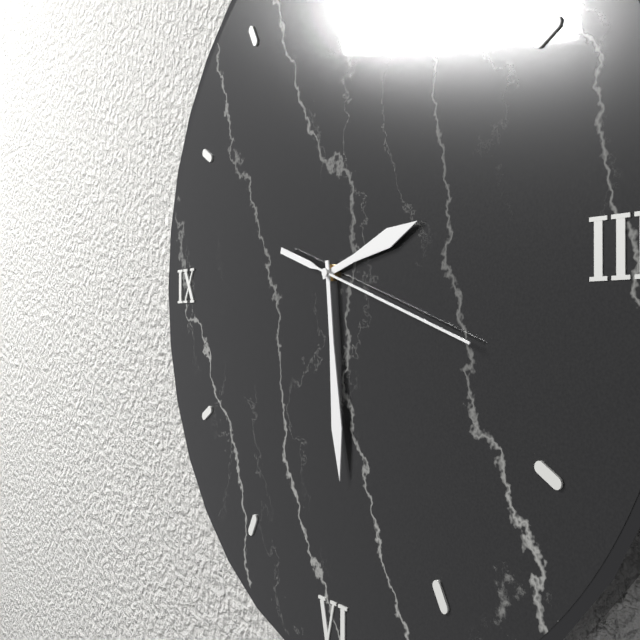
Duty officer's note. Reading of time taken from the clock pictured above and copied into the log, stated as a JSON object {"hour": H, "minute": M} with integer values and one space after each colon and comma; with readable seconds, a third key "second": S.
{"hour": 2, "minute": 29, "second": 18}
